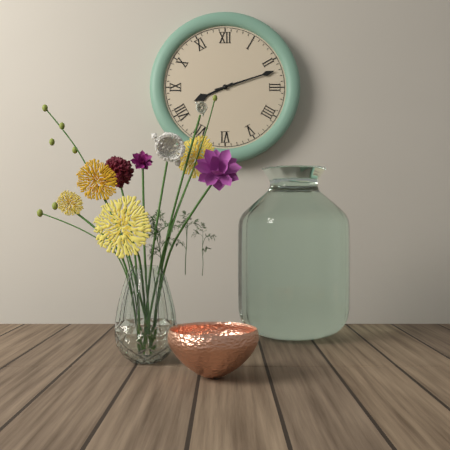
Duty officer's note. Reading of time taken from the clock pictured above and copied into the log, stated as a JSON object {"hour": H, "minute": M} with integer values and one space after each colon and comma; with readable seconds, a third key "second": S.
{"hour": 8, "minute": 12}
